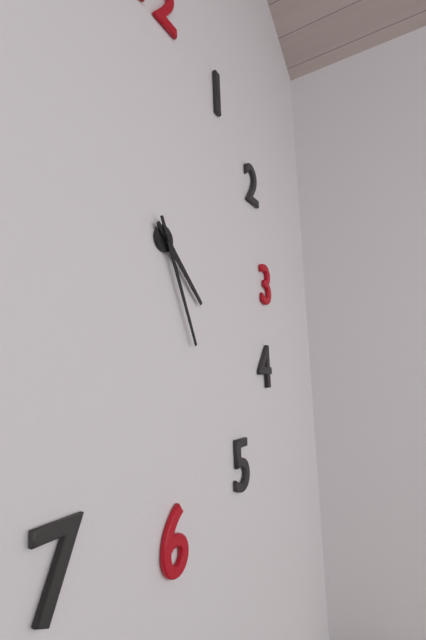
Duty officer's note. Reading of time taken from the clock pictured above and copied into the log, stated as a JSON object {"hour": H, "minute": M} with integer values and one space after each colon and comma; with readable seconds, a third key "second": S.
{"hour": 4, "minute": 26}
